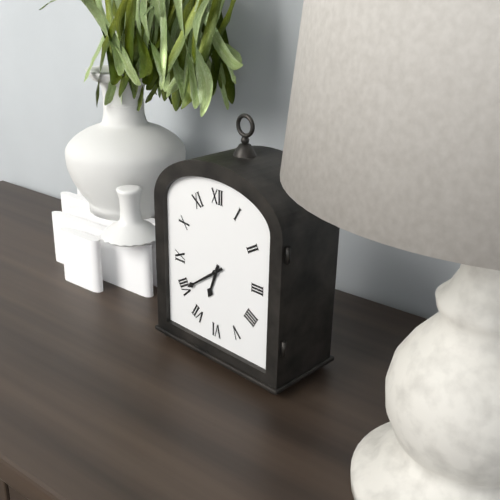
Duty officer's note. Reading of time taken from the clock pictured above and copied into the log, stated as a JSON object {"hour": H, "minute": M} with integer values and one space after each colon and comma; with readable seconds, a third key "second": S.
{"hour": 6, "minute": 39}
